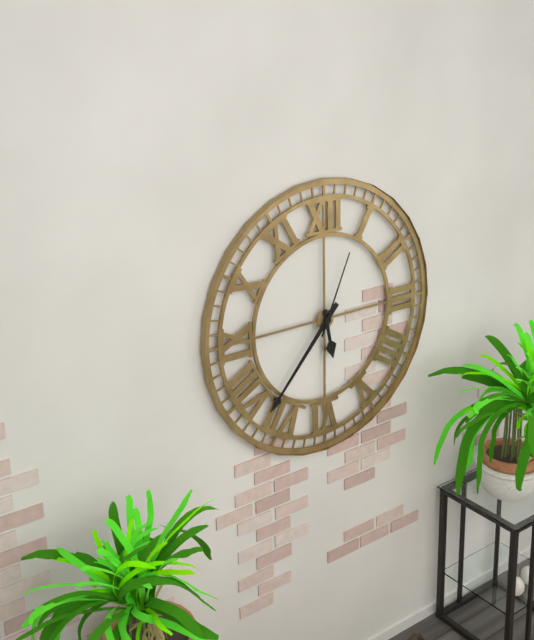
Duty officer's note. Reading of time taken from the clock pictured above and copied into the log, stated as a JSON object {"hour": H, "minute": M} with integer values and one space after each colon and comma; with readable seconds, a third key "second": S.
{"hour": 5, "minute": 37, "second": 4}
